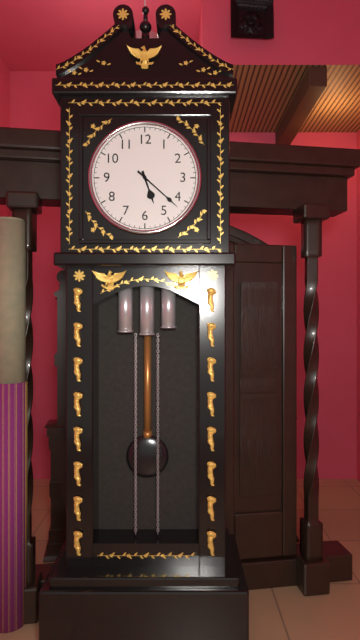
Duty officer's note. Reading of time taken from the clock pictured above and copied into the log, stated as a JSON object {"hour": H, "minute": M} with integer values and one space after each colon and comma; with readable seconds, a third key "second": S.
{"hour": 5, "minute": 22}
